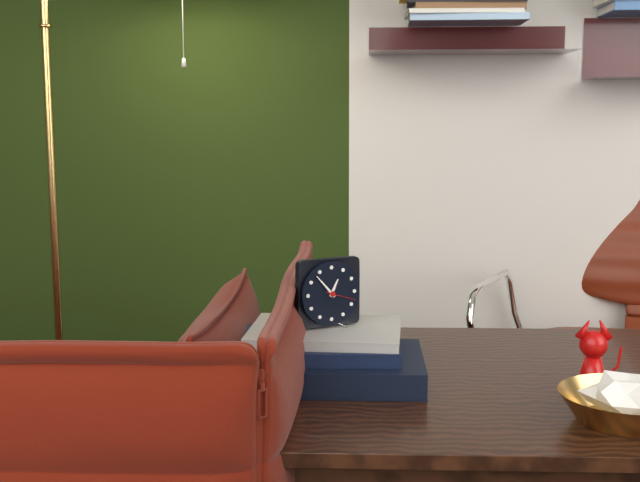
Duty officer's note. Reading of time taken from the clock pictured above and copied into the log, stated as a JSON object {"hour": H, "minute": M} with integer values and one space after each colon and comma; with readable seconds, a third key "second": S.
{"hour": 12, "minute": 53}
